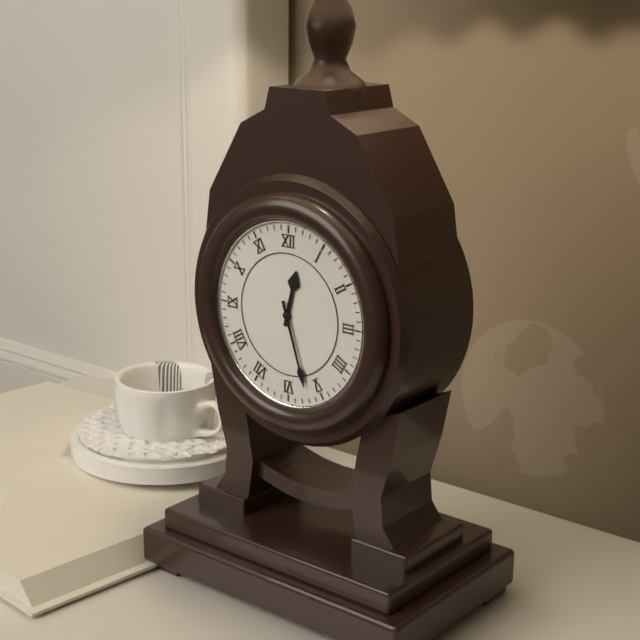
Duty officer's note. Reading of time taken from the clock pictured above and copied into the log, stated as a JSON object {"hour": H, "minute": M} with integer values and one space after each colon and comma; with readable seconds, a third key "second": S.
{"hour": 12, "minute": 27}
